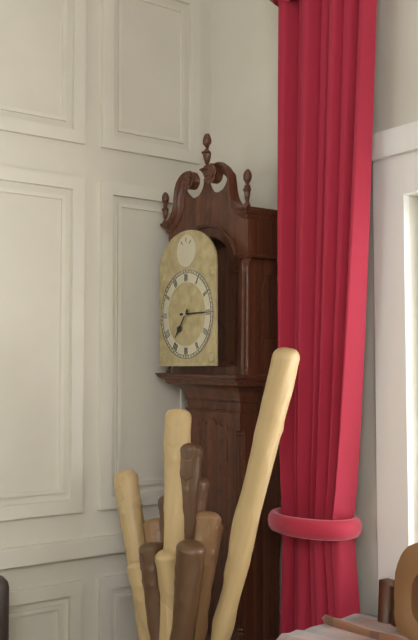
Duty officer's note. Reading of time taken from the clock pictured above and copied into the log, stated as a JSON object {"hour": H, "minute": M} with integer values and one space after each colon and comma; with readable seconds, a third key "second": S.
{"hour": 7, "minute": 15}
